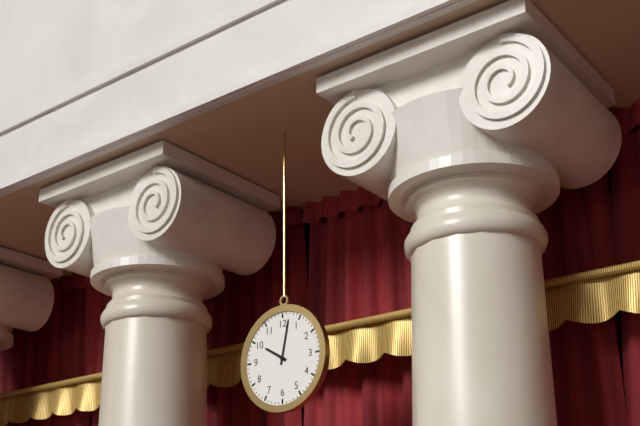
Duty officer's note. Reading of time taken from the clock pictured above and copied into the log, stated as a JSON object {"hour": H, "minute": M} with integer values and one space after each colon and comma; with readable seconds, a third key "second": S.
{"hour": 10, "minute": 2}
